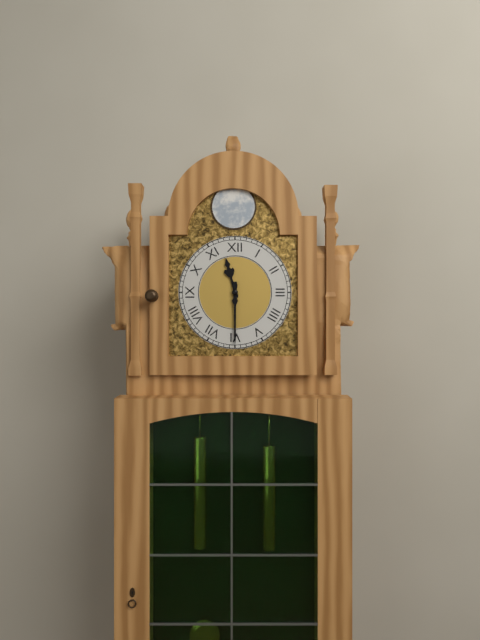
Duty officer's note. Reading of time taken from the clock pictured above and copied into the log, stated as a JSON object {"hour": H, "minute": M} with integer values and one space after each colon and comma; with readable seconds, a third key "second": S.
{"hour": 11, "minute": 30}
